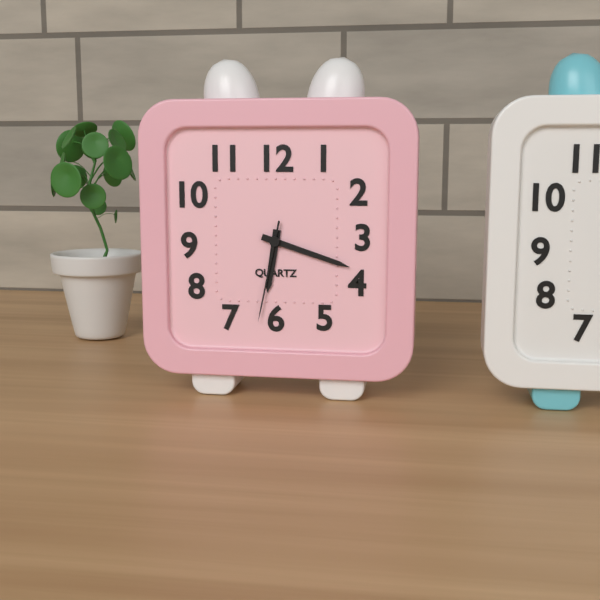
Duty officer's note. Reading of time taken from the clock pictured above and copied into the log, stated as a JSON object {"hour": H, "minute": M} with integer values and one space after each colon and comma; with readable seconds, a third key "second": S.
{"hour": 6, "minute": 18, "second": 32}
